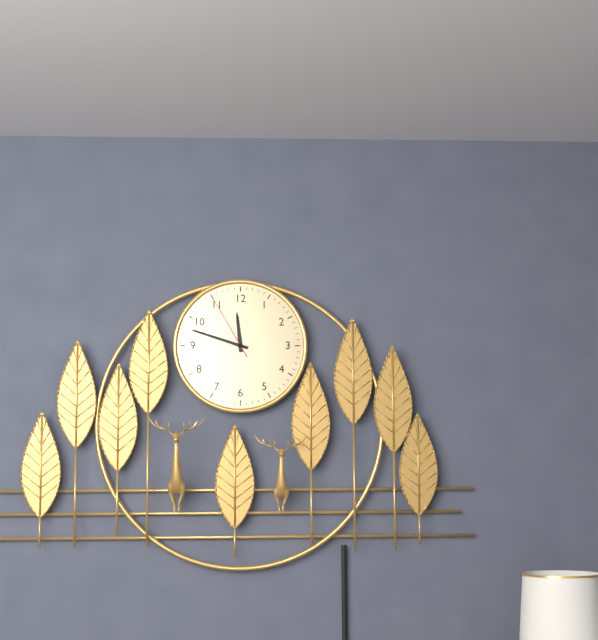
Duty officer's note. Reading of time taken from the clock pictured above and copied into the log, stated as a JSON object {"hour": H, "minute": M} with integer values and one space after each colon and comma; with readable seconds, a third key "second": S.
{"hour": 11, "minute": 48, "second": 55}
